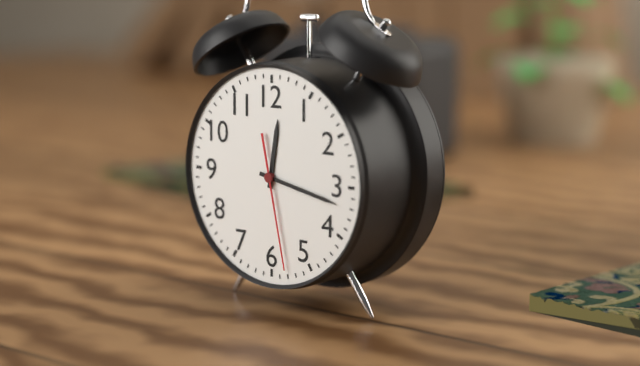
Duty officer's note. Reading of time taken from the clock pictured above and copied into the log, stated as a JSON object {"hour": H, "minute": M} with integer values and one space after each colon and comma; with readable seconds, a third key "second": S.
{"hour": 12, "minute": 17, "second": 28}
